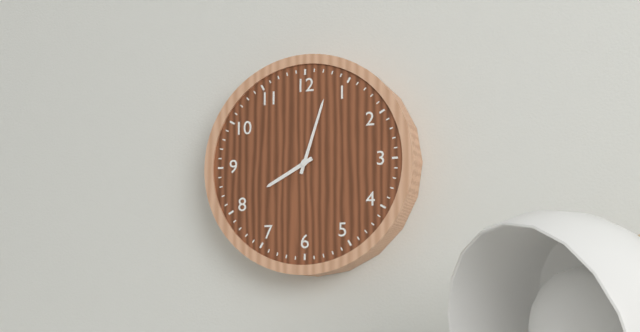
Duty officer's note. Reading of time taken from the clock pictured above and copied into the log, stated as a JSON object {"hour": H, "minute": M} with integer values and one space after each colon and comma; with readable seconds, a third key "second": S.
{"hour": 8, "minute": 3}
